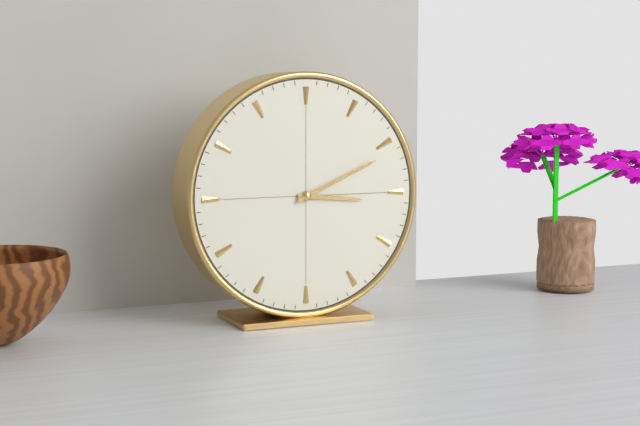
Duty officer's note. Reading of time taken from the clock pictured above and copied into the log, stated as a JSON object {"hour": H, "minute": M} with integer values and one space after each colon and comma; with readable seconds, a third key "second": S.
{"hour": 3, "minute": 11}
